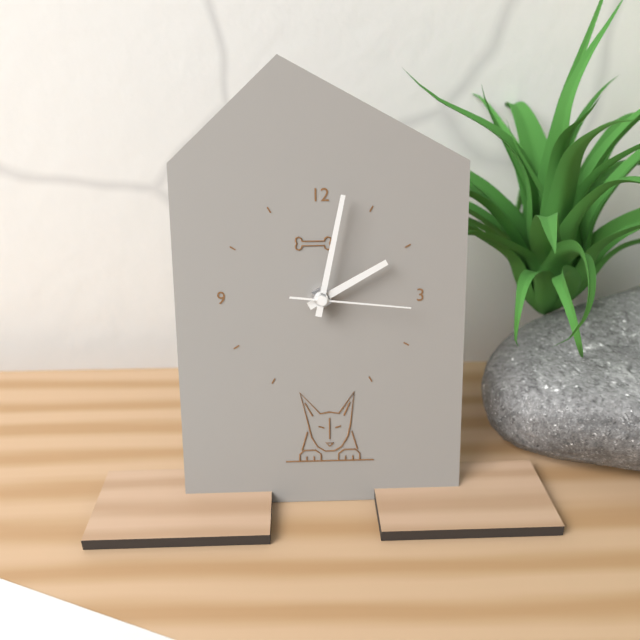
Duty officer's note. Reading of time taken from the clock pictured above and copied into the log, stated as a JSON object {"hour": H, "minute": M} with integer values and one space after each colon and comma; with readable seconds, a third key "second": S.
{"hour": 2, "minute": 2, "second": 16}
